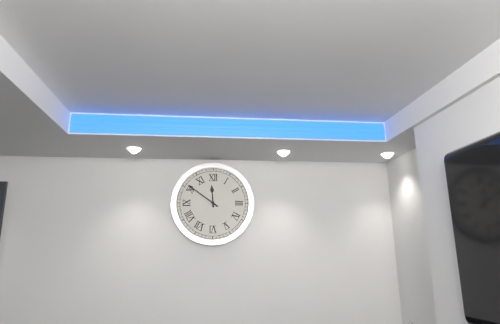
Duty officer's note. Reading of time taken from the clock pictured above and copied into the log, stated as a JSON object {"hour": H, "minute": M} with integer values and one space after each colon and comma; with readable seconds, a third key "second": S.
{"hour": 11, "minute": 51}
